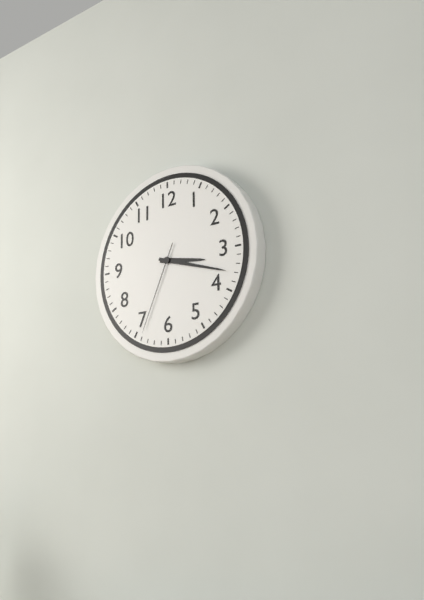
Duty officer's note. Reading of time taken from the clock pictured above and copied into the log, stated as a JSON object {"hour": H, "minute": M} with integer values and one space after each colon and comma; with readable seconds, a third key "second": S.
{"hour": 3, "minute": 18, "second": 34}
